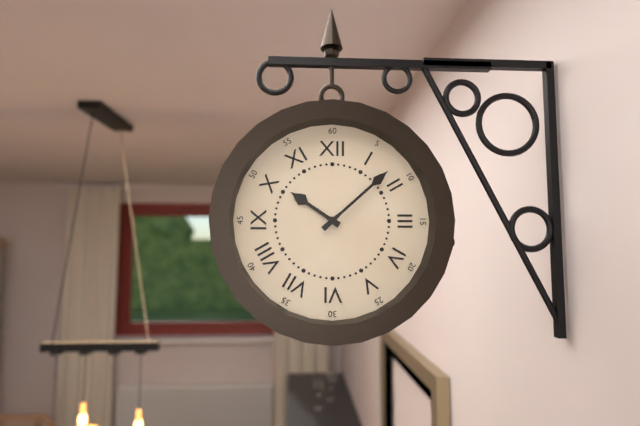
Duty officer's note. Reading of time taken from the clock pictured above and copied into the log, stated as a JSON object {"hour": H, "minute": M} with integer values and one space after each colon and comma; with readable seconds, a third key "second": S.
{"hour": 10, "minute": 8}
